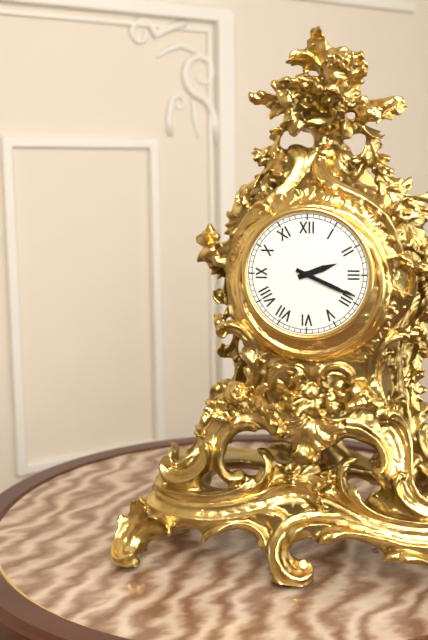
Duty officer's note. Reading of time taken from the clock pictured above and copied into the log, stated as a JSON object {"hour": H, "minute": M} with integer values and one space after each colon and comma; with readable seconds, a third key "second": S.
{"hour": 2, "minute": 19}
